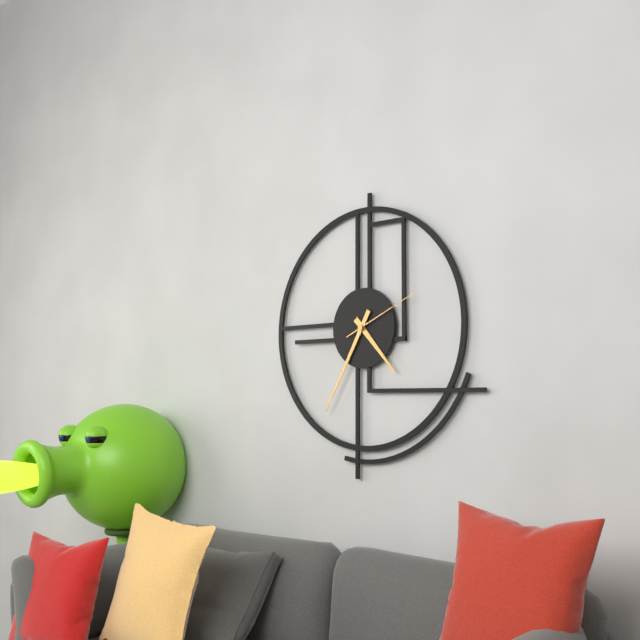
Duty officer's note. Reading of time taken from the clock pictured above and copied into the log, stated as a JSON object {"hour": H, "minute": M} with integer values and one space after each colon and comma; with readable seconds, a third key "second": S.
{"hour": 4, "minute": 35, "second": 11}
